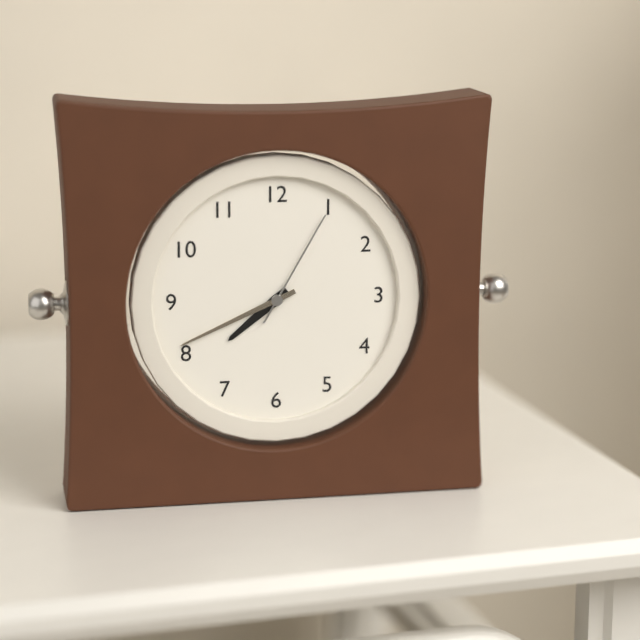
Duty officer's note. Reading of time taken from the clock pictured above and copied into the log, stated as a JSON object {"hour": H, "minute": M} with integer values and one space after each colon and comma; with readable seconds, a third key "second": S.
{"hour": 7, "minute": 41, "second": 5}
